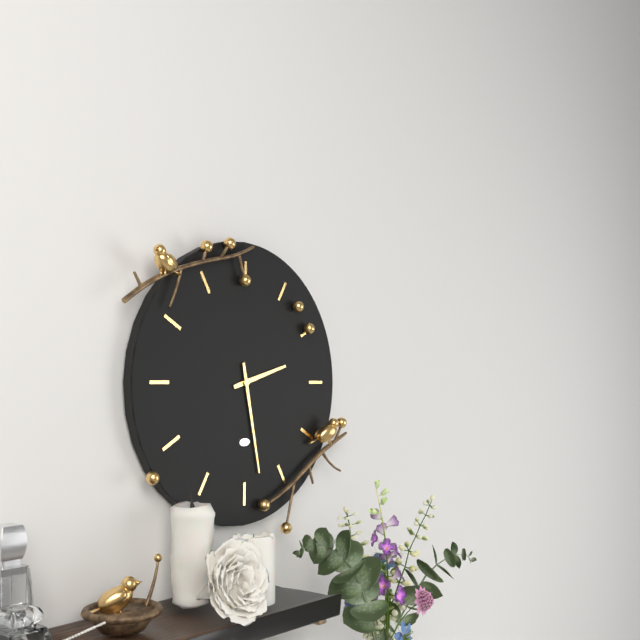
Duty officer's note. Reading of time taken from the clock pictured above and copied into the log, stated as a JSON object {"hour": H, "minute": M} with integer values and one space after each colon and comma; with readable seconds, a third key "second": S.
{"hour": 2, "minute": 28}
